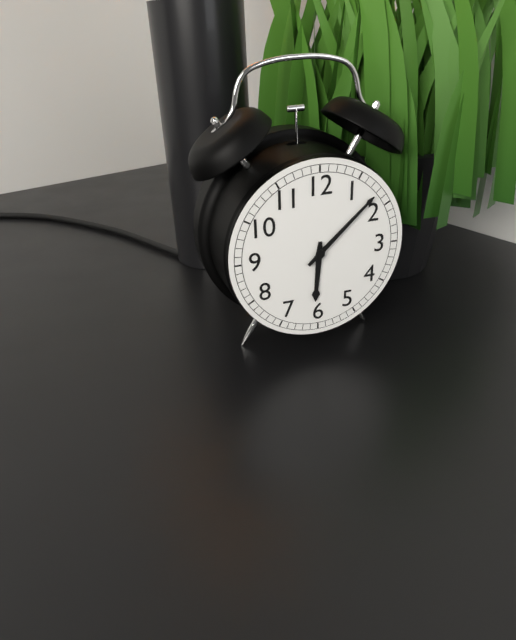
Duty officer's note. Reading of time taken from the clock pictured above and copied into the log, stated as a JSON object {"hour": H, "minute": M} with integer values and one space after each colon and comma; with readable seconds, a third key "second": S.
{"hour": 6, "minute": 8}
